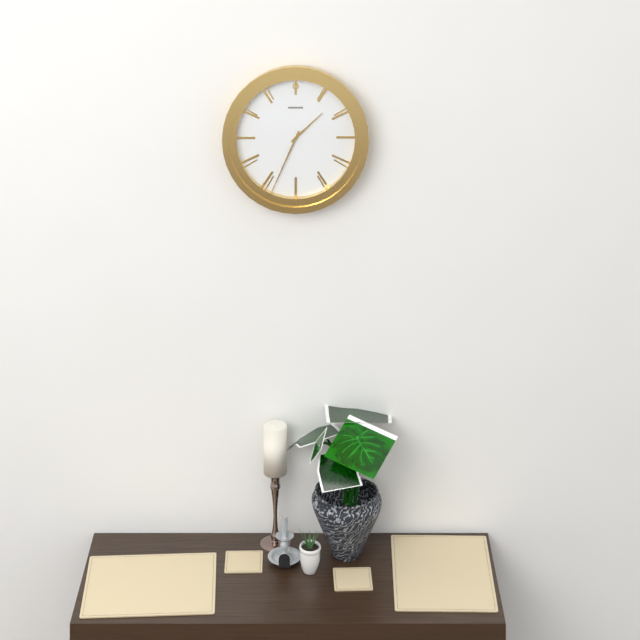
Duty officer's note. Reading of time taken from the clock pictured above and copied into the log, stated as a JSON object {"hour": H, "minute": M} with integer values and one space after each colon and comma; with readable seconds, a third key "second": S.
{"hour": 1, "minute": 34}
